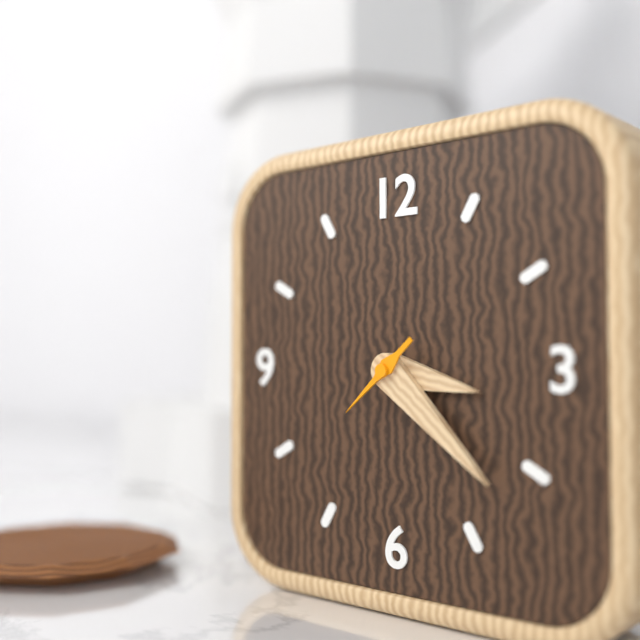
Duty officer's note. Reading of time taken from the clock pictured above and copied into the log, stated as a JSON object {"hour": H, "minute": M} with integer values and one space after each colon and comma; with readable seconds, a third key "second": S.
{"hour": 3, "minute": 22, "second": 38}
